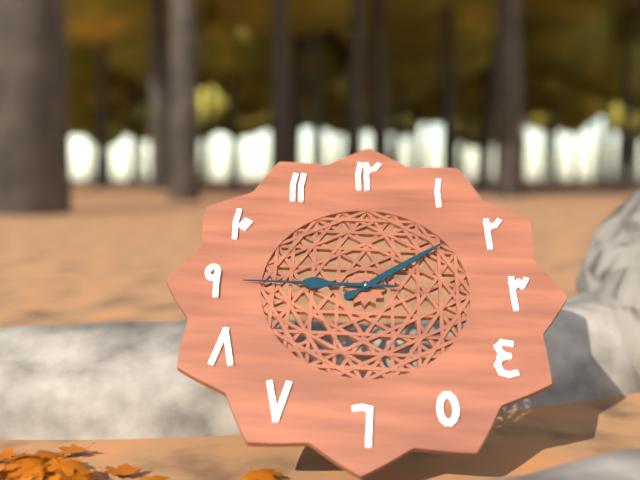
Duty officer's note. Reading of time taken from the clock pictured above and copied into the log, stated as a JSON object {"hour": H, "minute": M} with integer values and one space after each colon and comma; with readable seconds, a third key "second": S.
{"hour": 1, "minute": 45}
